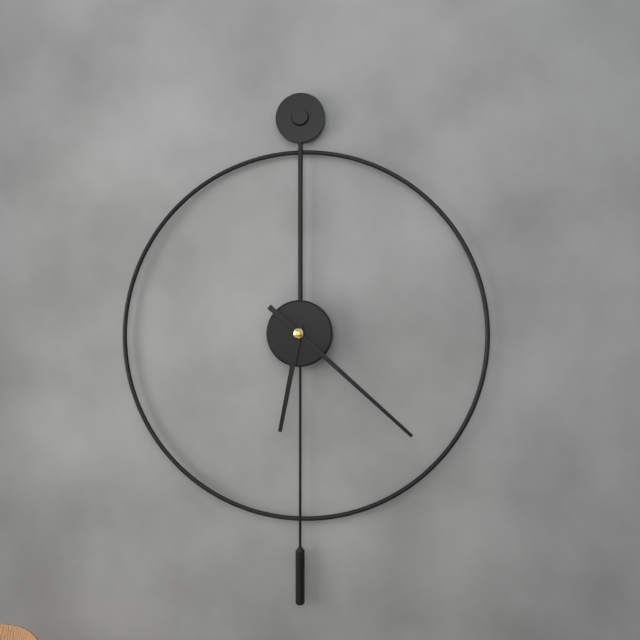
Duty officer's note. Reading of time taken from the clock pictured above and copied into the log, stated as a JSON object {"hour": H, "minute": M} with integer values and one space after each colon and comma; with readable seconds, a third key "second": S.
{"hour": 6, "minute": 22}
